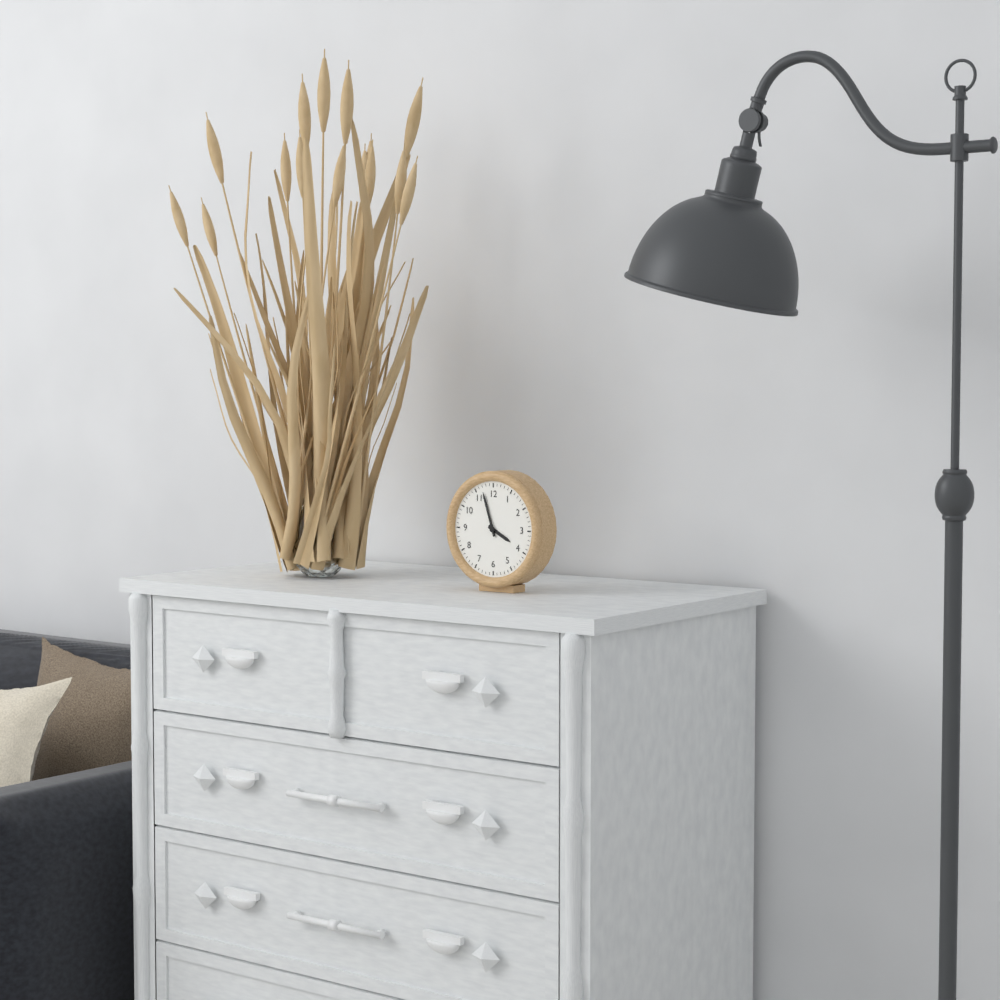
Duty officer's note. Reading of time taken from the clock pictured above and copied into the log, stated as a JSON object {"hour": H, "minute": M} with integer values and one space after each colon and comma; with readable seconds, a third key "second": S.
{"hour": 3, "minute": 57}
